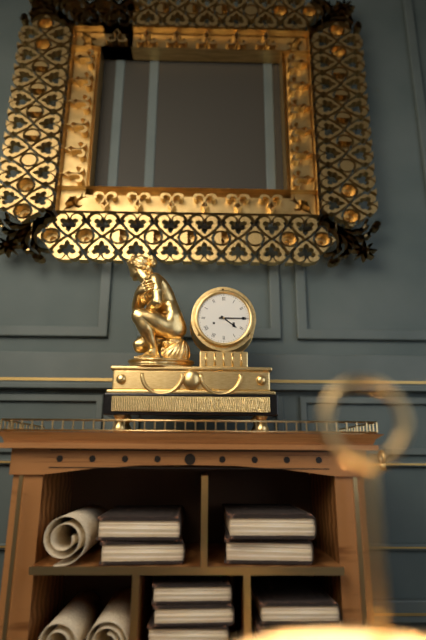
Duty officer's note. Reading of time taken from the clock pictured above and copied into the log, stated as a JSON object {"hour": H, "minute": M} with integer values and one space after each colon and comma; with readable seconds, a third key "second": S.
{"hour": 4, "minute": 15}
